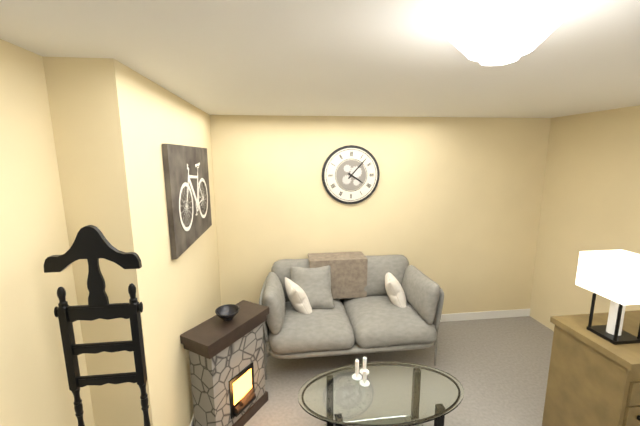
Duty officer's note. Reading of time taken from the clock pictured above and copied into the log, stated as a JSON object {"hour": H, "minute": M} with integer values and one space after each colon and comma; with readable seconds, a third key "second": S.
{"hour": 4, "minute": 7}
